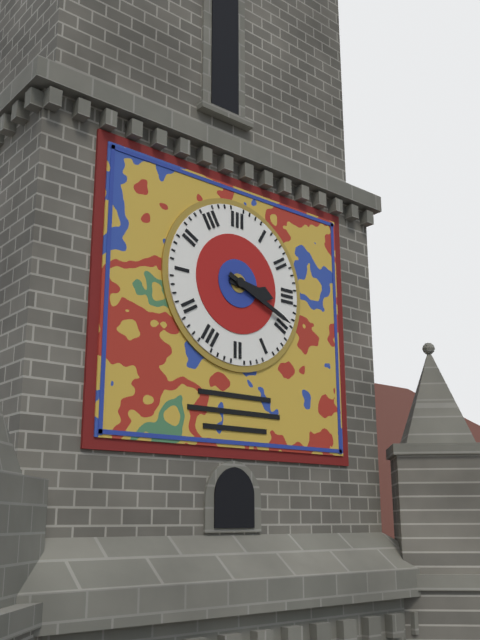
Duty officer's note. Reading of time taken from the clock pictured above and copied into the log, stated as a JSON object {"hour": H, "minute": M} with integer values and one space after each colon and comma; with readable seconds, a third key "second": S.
{"hour": 3, "minute": 19}
